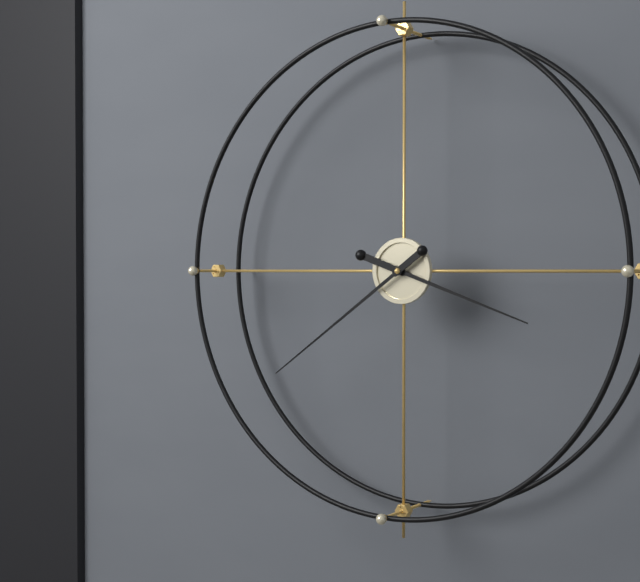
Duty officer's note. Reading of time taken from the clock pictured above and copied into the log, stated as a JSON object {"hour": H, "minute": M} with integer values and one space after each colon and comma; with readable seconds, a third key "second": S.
{"hour": 3, "minute": 39}
